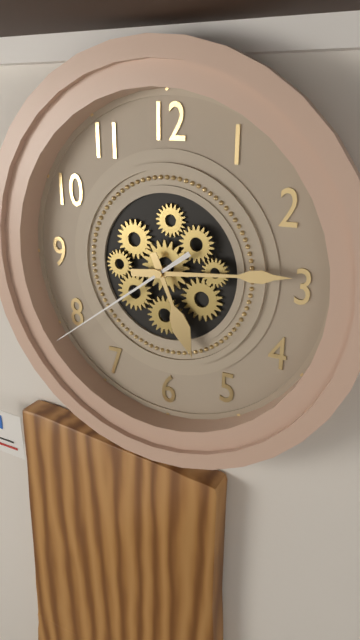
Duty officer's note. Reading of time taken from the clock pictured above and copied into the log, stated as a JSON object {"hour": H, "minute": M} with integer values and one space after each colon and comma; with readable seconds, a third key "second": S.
{"hour": 5, "minute": 14, "second": 39}
